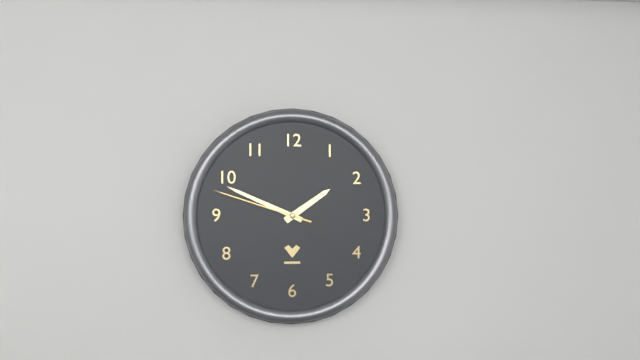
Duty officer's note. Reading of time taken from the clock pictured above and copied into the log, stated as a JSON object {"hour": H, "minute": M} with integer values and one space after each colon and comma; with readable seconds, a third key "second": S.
{"hour": 1, "minute": 49, "second": 48}
